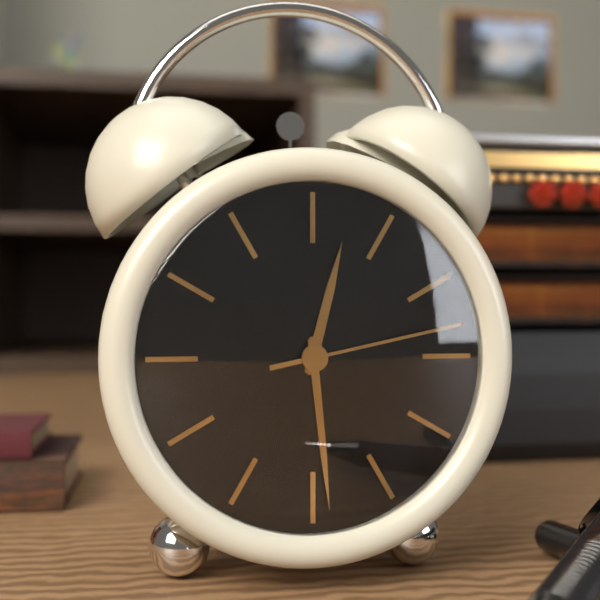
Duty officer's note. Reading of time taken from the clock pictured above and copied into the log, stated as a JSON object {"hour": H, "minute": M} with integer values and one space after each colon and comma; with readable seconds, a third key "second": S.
{"hour": 12, "minute": 29, "second": 13}
